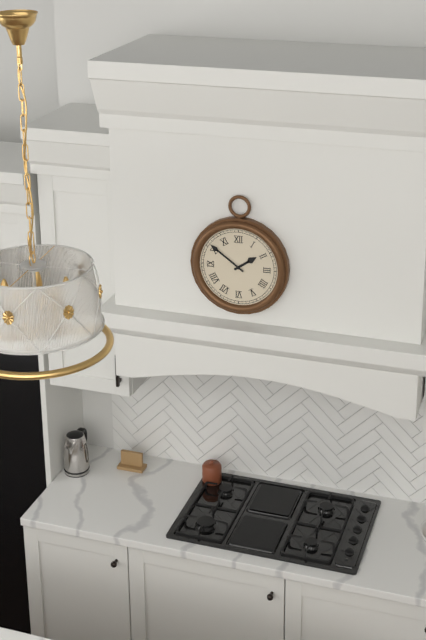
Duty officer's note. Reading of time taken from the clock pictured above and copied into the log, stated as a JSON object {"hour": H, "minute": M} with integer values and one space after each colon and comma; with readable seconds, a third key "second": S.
{"hour": 1, "minute": 51}
